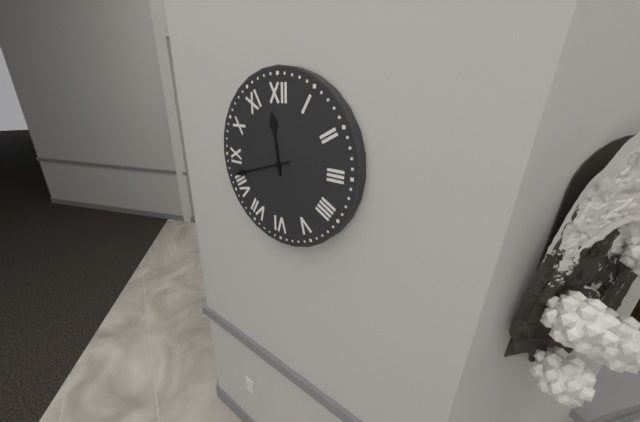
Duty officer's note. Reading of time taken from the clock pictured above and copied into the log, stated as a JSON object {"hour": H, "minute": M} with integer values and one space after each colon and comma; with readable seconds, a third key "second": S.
{"hour": 11, "minute": 42}
